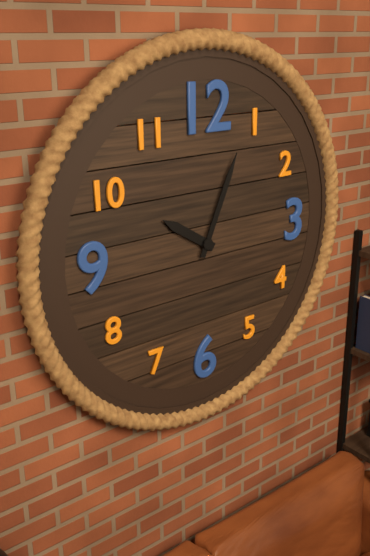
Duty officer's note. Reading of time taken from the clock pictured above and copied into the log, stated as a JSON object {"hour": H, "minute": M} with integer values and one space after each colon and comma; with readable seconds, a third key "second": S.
{"hour": 10, "minute": 4}
